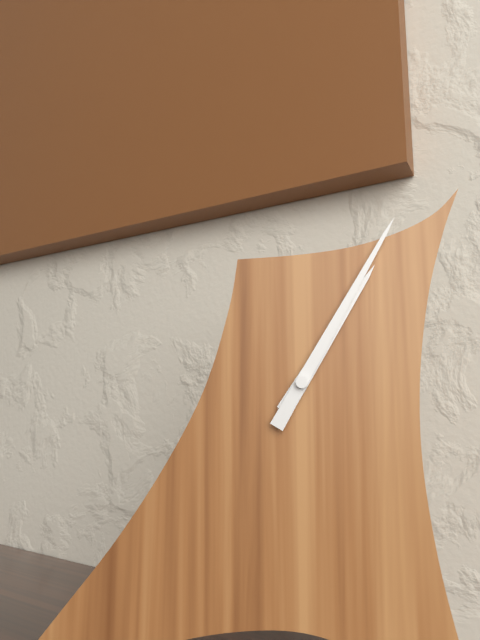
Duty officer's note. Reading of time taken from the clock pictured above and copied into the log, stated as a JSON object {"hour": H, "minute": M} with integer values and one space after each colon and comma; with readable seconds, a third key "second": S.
{"hour": 1, "minute": 5}
